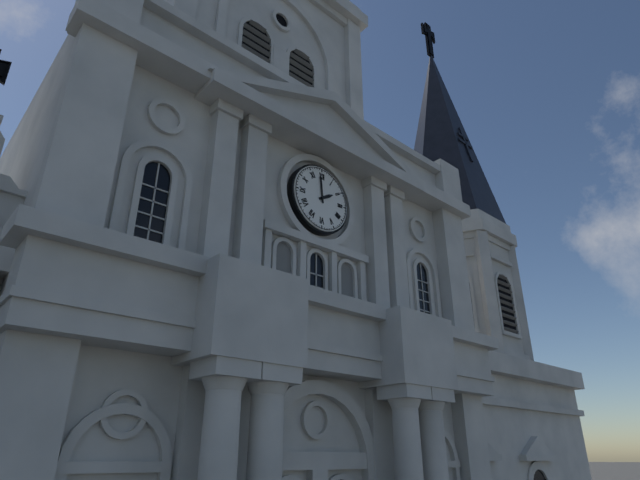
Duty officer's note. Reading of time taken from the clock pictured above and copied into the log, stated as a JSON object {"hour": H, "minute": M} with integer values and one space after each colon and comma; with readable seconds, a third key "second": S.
{"hour": 1, "minute": 59}
